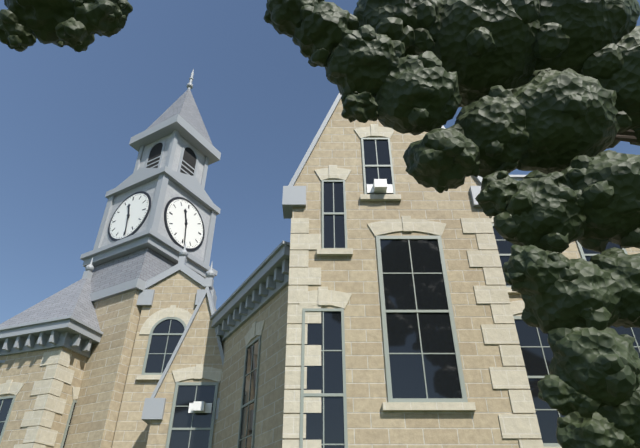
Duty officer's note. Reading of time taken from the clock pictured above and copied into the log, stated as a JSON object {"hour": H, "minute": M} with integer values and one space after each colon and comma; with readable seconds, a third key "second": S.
{"hour": 11, "minute": 29}
